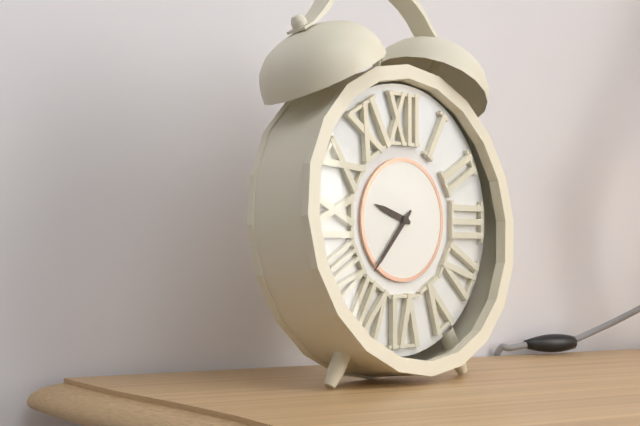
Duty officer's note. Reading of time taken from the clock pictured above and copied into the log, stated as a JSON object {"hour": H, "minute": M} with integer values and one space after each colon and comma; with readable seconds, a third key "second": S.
{"hour": 9, "minute": 37}
